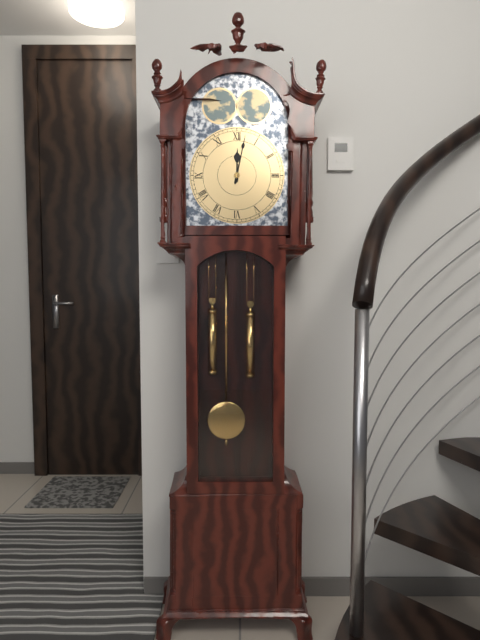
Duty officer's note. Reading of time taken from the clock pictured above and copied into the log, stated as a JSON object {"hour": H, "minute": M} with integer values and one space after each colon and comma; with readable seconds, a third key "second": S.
{"hour": 12, "minute": 2}
